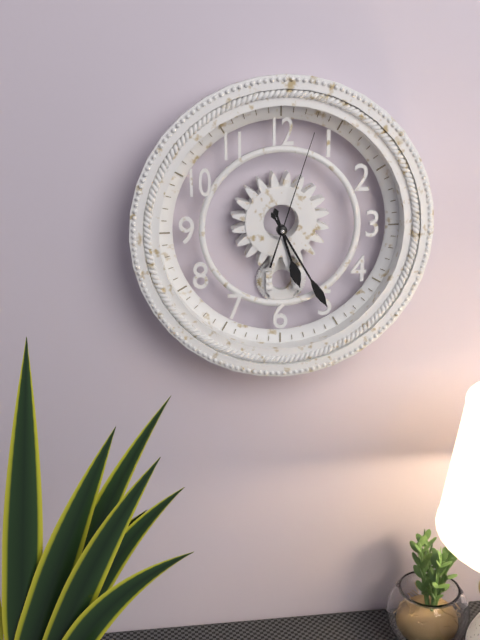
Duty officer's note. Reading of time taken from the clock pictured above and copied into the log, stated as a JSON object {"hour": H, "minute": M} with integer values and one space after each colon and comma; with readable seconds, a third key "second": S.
{"hour": 5, "minute": 25, "second": 3}
